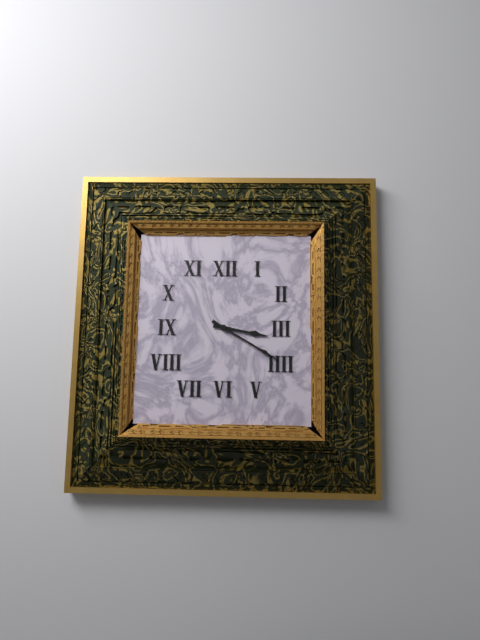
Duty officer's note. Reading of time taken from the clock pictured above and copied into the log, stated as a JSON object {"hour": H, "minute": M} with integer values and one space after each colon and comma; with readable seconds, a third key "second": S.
{"hour": 3, "minute": 20}
